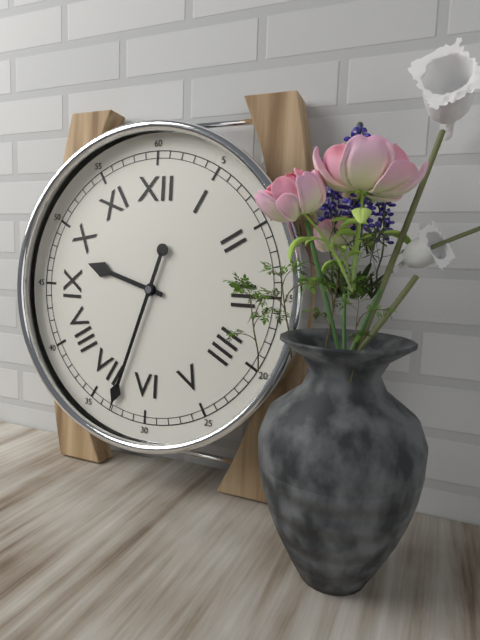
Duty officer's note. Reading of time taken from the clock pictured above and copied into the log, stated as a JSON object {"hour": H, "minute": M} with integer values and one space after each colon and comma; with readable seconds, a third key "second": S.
{"hour": 9, "minute": 33}
